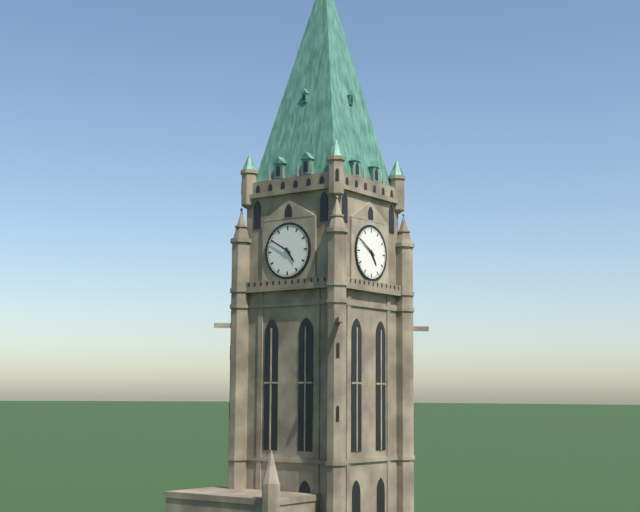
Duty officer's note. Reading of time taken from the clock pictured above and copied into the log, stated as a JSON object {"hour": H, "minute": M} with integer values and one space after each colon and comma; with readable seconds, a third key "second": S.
{"hour": 4, "minute": 50}
